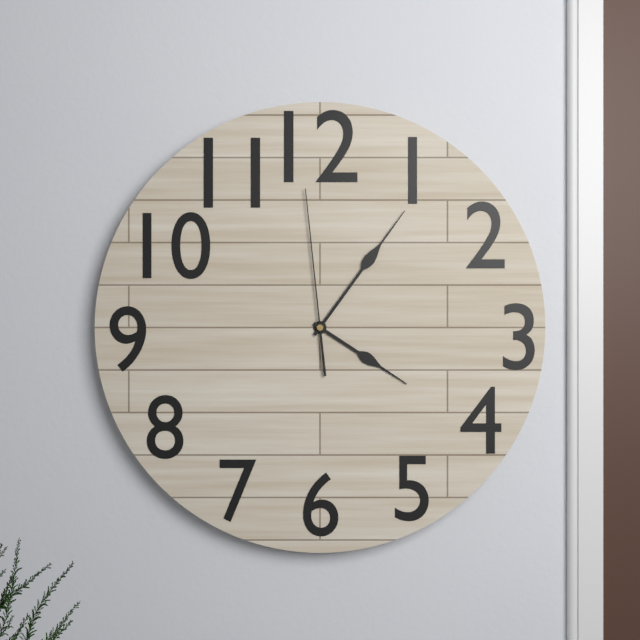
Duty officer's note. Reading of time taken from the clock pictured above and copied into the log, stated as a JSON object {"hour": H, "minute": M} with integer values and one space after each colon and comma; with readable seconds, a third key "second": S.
{"hour": 4, "minute": 6, "second": 59}
